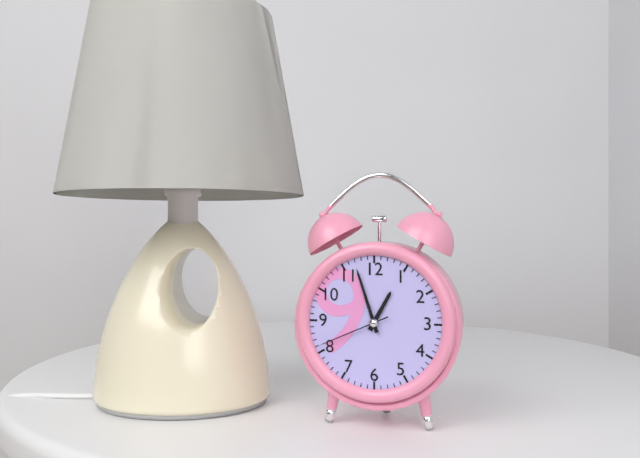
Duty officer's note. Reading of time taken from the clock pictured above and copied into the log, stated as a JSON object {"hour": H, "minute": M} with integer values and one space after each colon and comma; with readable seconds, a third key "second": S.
{"hour": 12, "minute": 57, "second": 41}
